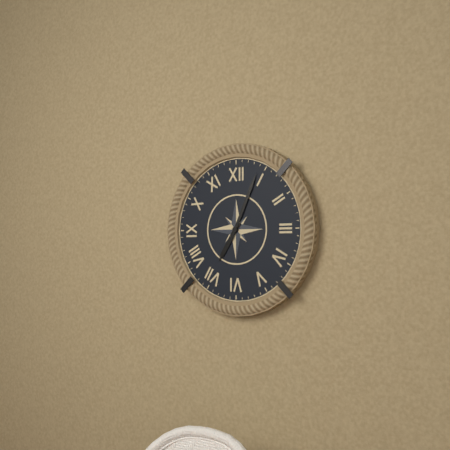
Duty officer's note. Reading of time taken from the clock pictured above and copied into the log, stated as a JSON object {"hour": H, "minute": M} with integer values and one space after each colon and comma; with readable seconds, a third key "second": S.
{"hour": 7, "minute": 4}
